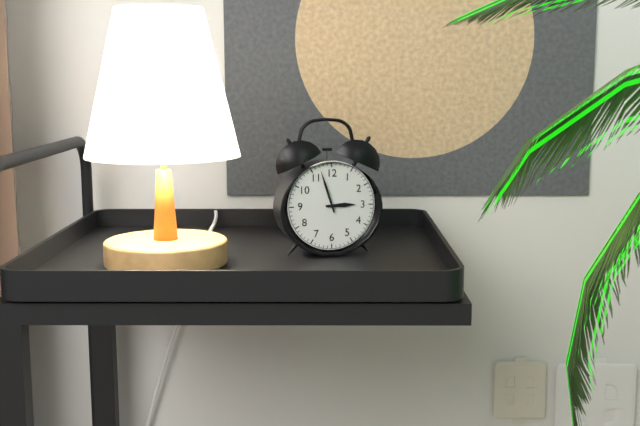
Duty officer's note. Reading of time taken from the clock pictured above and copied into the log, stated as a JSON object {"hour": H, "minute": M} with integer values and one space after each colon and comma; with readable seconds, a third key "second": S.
{"hour": 2, "minute": 57}
